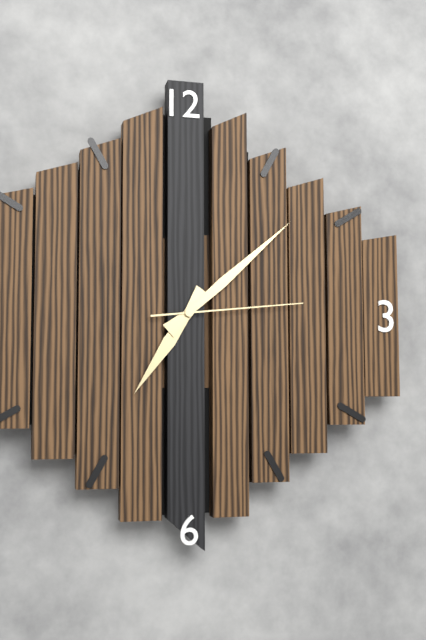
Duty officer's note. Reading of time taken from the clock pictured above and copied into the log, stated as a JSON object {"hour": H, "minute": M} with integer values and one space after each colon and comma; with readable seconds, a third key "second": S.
{"hour": 7, "minute": 8, "second": 14}
